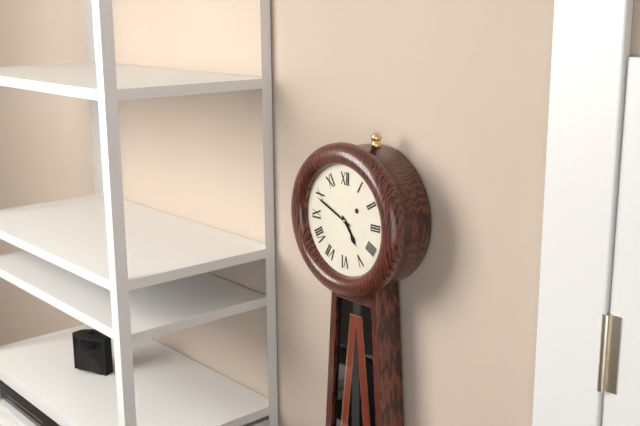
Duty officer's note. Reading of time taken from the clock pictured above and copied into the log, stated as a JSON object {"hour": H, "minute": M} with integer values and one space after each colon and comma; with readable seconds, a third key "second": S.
{"hour": 4, "minute": 49}
